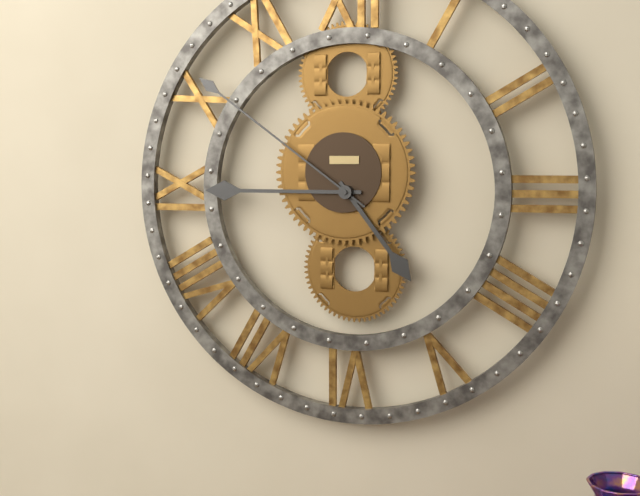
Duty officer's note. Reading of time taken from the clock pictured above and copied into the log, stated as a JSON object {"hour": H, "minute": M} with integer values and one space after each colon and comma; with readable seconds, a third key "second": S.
{"hour": 4, "minute": 45, "second": 51}
